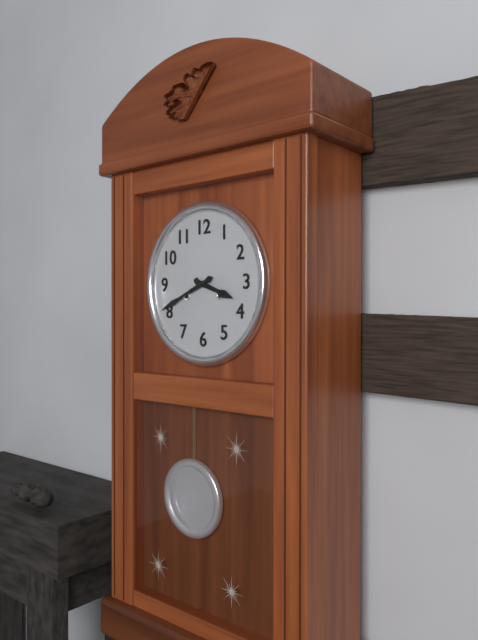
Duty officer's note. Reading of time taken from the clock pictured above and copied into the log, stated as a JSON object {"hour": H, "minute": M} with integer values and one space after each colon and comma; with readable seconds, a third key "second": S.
{"hour": 3, "minute": 41}
